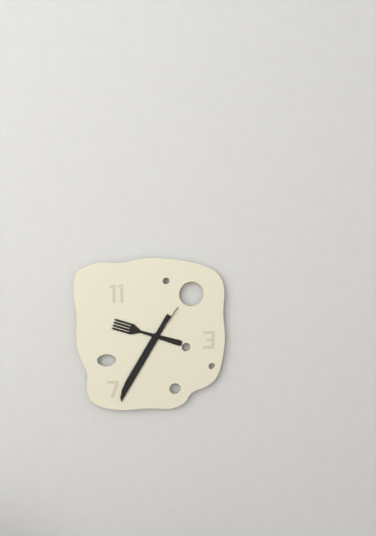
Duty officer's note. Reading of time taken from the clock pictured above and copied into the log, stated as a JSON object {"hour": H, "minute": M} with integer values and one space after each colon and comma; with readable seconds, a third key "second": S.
{"hour": 9, "minute": 35}
